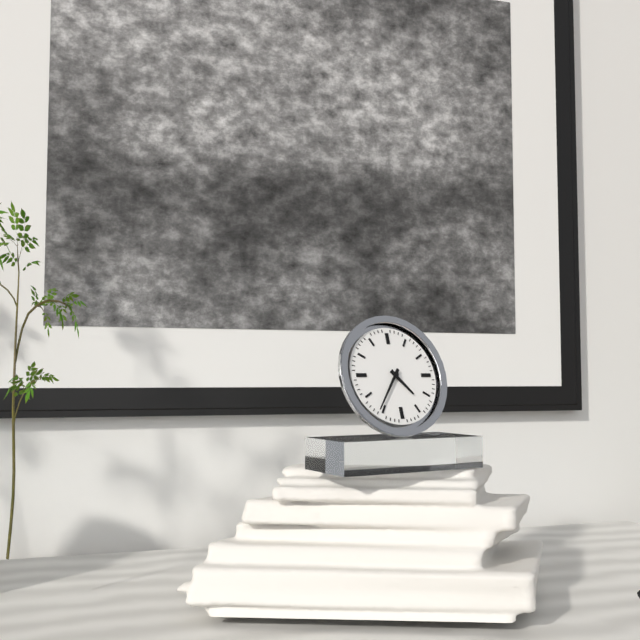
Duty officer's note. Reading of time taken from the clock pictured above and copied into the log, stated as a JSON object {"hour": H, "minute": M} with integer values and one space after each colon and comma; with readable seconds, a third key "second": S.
{"hour": 4, "minute": 36}
